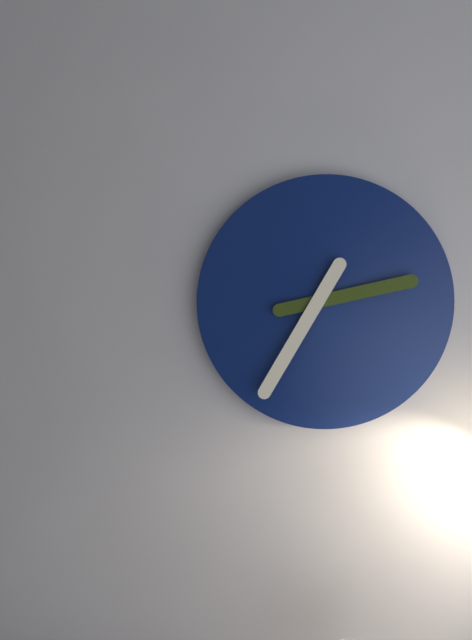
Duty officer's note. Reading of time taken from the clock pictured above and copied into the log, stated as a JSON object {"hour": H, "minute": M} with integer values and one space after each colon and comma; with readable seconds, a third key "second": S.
{"hour": 2, "minute": 35}
